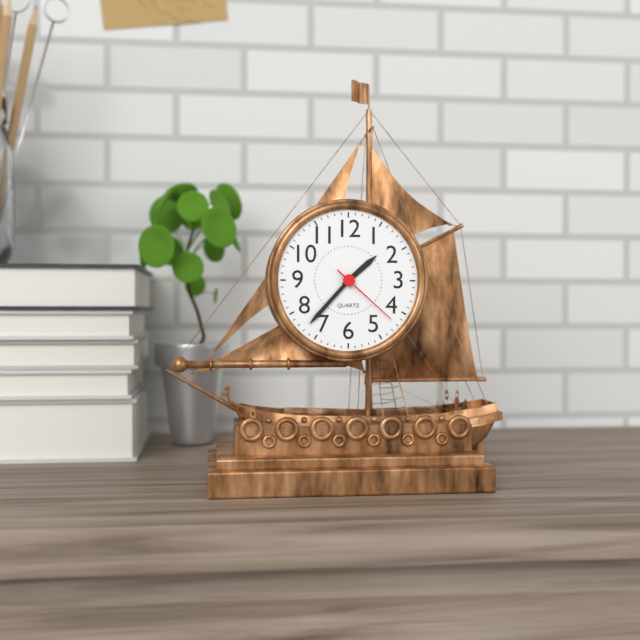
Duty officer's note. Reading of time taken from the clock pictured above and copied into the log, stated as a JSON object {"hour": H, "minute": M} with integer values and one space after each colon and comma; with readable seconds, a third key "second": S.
{"hour": 1, "minute": 37, "second": 22}
